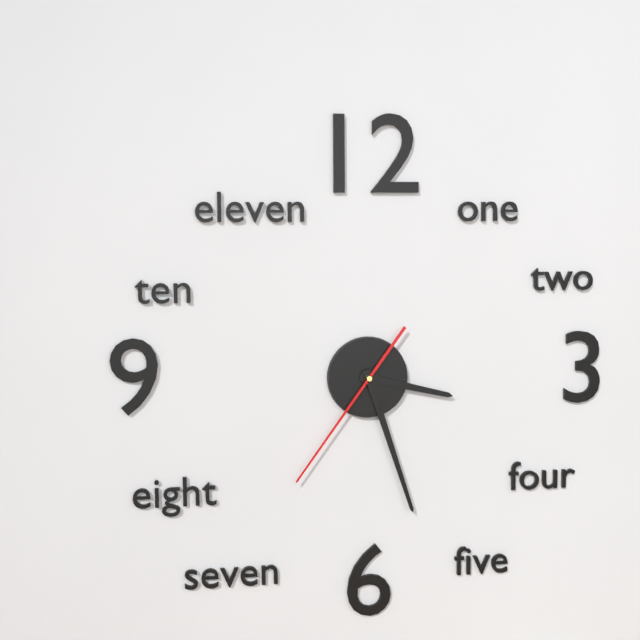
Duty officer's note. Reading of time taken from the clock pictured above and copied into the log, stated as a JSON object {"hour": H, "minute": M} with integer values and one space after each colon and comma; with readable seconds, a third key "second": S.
{"hour": 3, "minute": 27, "second": 36}
